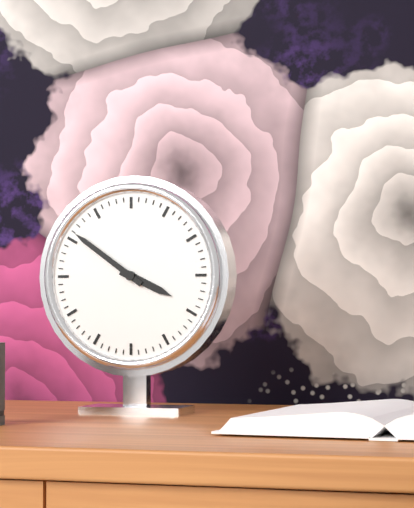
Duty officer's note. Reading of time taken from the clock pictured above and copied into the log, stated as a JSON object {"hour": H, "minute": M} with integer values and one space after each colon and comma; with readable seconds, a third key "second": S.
{"hour": 3, "minute": 51}
